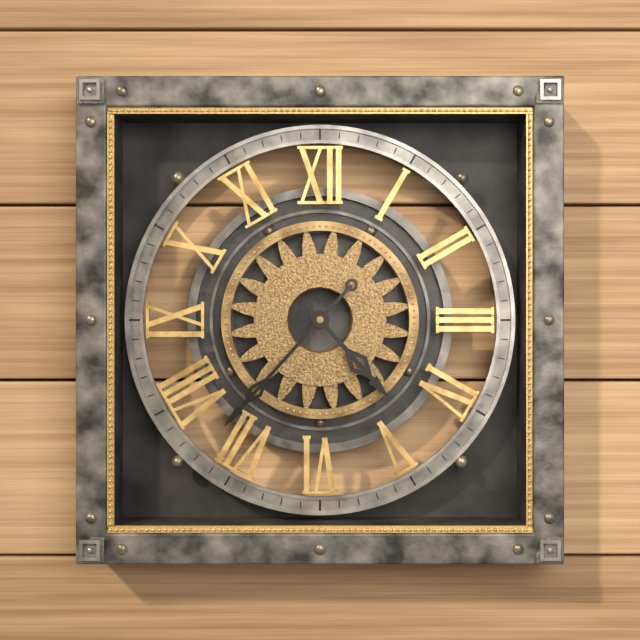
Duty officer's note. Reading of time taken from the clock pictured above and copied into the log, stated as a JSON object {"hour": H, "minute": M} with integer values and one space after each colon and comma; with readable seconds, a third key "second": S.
{"hour": 4, "minute": 37}
